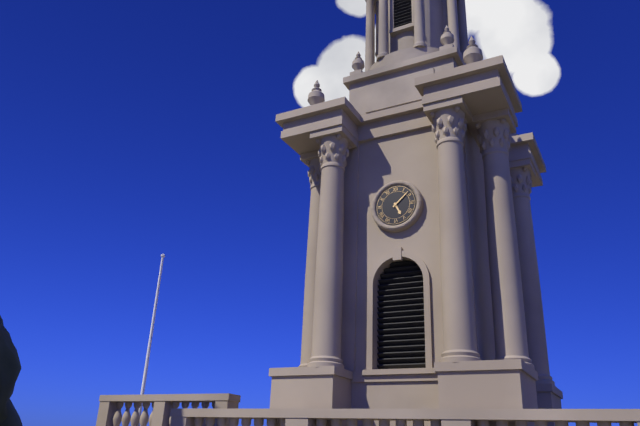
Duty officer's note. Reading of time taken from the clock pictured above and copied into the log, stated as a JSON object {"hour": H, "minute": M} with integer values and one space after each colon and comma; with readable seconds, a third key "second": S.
{"hour": 5, "minute": 8}
